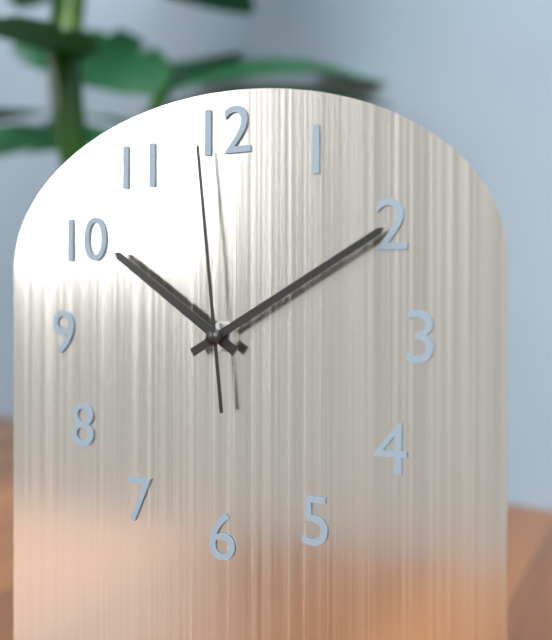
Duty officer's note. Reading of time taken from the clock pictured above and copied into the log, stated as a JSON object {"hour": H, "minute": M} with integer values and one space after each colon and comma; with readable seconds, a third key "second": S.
{"hour": 10, "minute": 10, "second": 59}
